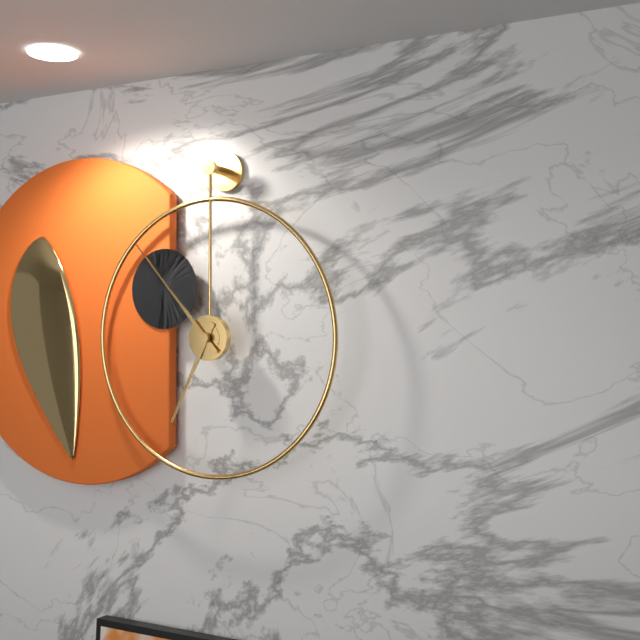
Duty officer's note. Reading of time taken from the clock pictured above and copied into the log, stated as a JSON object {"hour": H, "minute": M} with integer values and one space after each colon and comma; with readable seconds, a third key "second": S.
{"hour": 6, "minute": 53}
